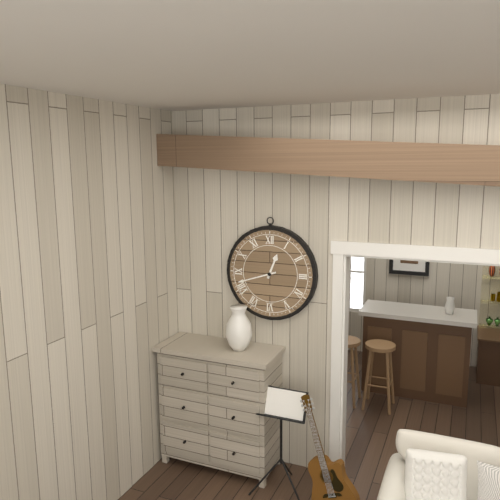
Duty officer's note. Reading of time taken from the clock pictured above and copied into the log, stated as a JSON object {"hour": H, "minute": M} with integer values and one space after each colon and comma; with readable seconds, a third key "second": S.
{"hour": 12, "minute": 42}
